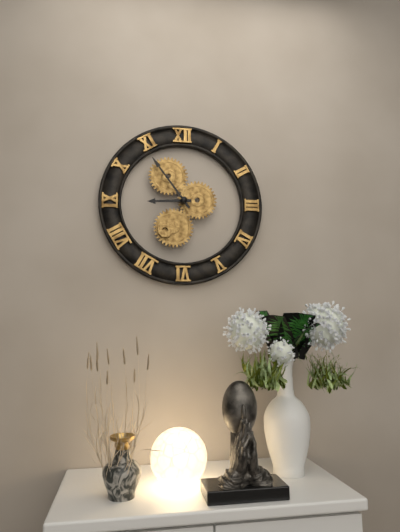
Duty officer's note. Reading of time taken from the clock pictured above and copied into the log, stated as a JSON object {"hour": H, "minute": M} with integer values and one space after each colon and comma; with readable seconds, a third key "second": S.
{"hour": 8, "minute": 54}
